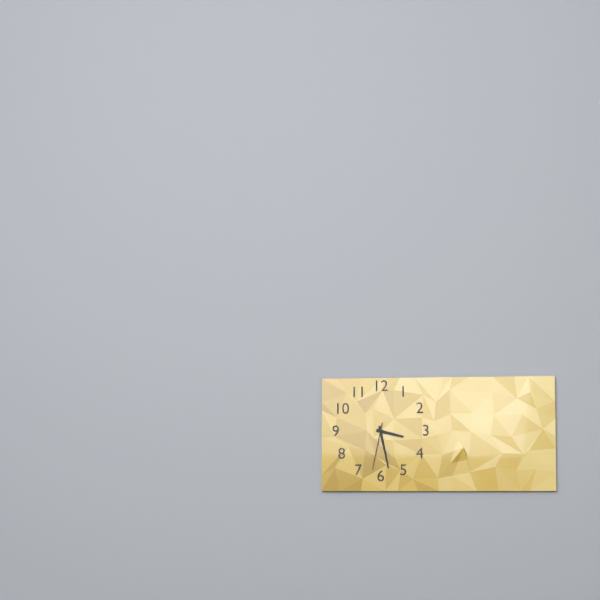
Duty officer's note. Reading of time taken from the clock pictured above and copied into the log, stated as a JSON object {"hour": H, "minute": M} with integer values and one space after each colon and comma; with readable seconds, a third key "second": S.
{"hour": 3, "minute": 28}
